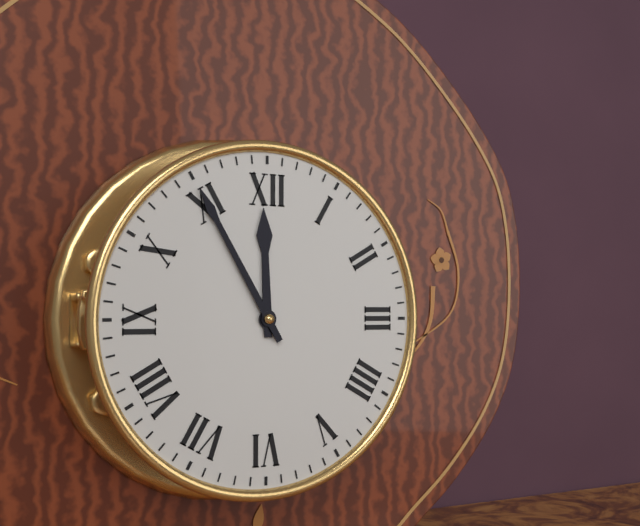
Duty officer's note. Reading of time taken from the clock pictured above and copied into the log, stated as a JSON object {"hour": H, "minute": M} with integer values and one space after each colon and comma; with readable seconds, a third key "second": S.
{"hour": 11, "minute": 55}
